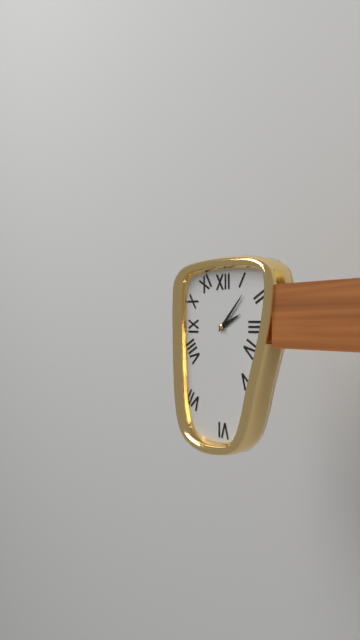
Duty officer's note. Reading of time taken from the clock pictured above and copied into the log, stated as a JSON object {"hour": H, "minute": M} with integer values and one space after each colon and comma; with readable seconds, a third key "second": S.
{"hour": 2, "minute": 7}
